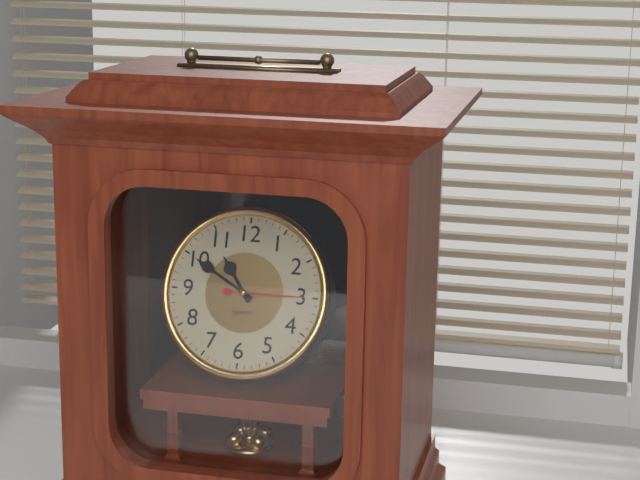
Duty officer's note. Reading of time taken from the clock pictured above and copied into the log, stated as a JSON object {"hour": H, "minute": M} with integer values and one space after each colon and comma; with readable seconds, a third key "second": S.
{"hour": 10, "minute": 50, "second": 15}
